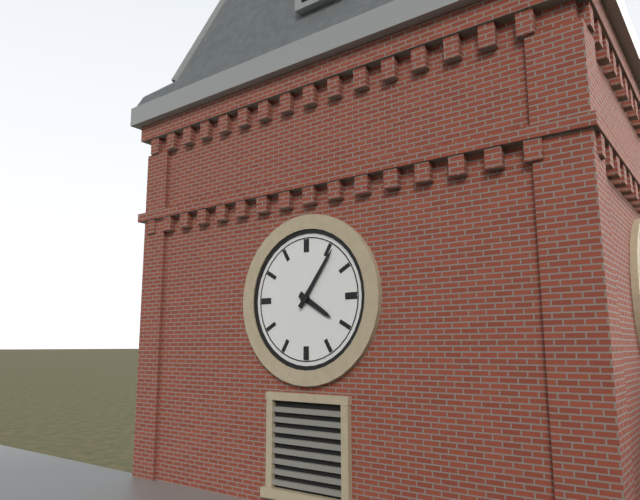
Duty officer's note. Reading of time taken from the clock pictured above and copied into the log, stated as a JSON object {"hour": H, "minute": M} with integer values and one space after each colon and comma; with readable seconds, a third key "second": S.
{"hour": 4, "minute": 6}
